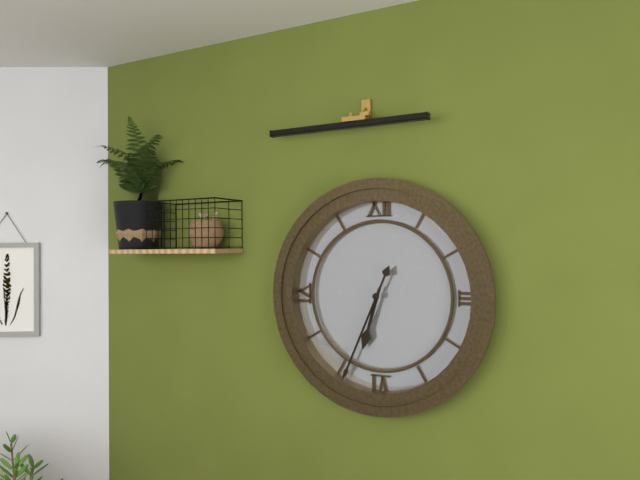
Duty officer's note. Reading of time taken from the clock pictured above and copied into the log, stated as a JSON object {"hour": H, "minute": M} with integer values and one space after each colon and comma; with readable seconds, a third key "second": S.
{"hour": 6, "minute": 34}
